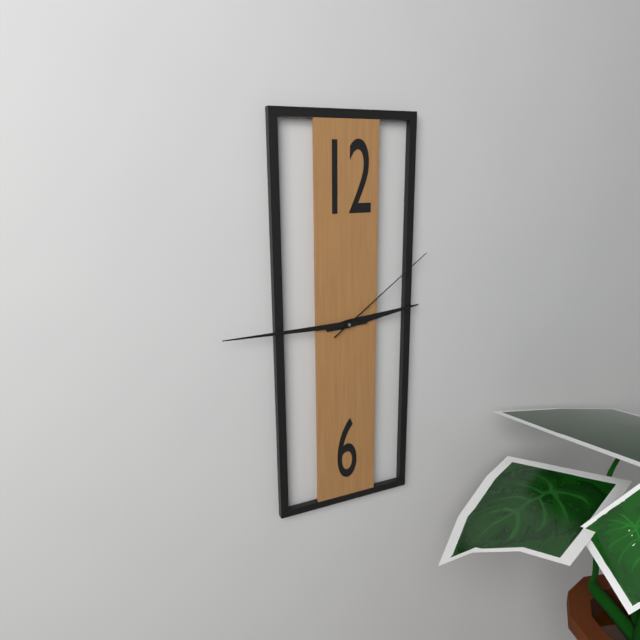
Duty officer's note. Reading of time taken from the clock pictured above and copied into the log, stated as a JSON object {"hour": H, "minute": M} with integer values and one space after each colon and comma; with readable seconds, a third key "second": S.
{"hour": 2, "minute": 45, "second": 9}
